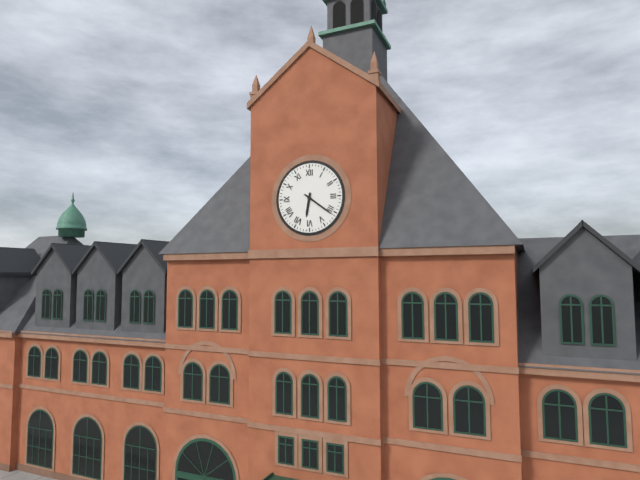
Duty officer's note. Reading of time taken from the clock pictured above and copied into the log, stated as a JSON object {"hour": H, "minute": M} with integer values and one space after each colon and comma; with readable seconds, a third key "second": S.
{"hour": 6, "minute": 21}
